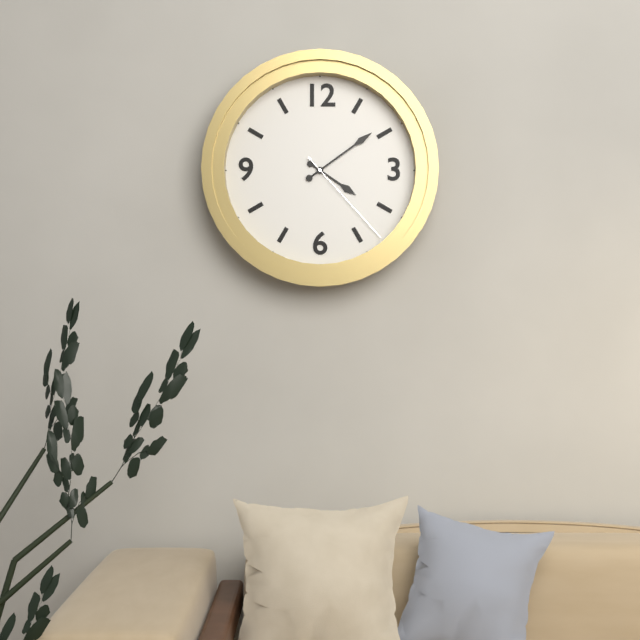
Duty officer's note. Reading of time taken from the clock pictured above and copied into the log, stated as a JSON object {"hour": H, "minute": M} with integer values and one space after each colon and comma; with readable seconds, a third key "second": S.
{"hour": 4, "minute": 9, "second": 23}
